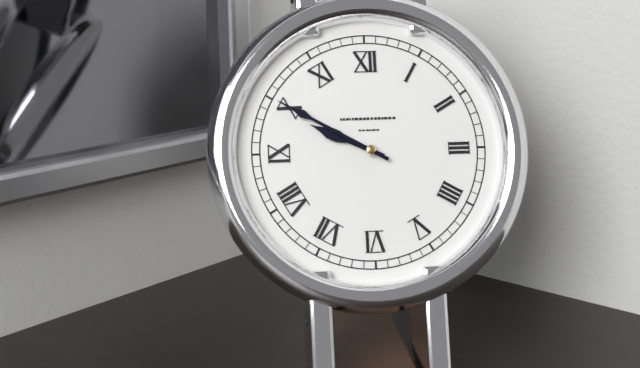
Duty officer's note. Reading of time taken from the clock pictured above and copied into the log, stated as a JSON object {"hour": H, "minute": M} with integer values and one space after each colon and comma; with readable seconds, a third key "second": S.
{"hour": 9, "minute": 50}
